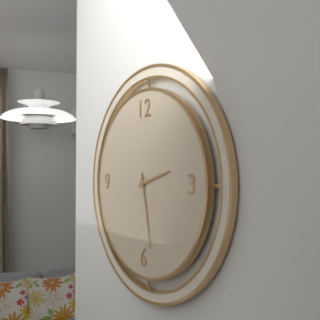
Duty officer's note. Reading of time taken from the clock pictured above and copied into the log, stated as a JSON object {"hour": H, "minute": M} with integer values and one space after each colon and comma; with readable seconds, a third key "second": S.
{"hour": 2, "minute": 28}
